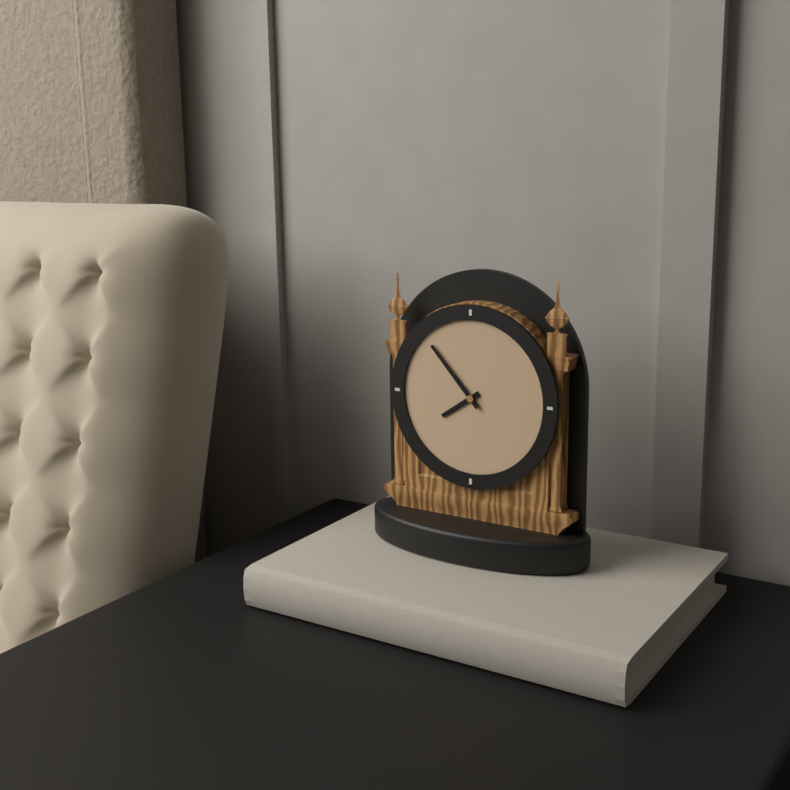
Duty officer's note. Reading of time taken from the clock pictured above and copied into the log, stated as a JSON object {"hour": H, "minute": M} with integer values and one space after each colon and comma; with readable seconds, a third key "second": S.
{"hour": 7, "minute": 53}
